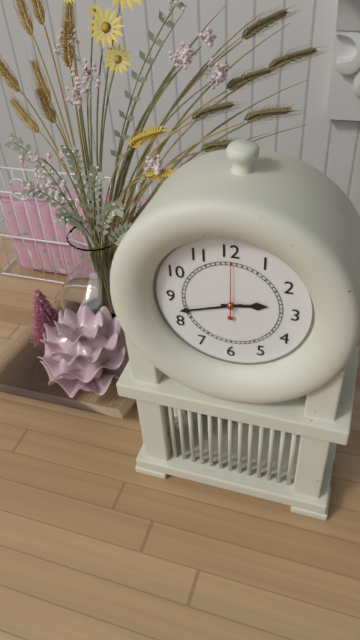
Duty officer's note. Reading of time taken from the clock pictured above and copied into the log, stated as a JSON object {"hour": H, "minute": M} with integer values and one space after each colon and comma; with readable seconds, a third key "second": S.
{"hour": 2, "minute": 42, "second": 0}
